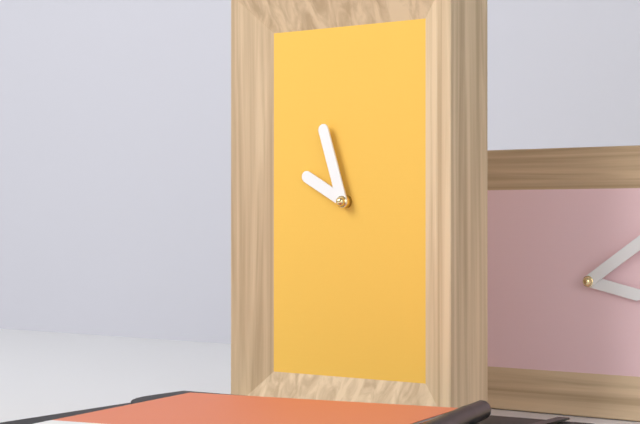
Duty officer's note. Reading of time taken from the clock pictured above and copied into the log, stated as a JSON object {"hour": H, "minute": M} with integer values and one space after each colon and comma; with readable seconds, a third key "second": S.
{"hour": 9, "minute": 57}
